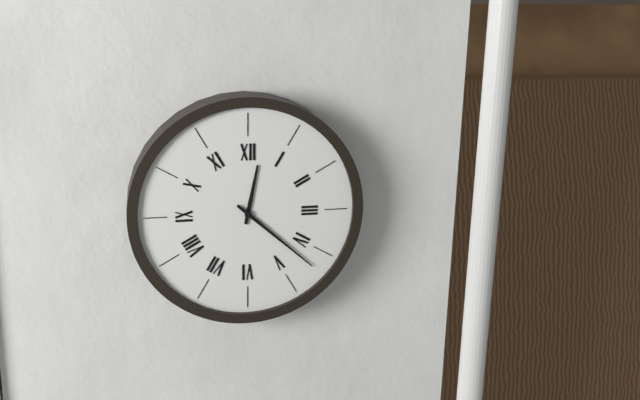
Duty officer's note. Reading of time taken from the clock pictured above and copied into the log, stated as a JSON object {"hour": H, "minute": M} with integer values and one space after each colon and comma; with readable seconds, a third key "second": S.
{"hour": 12, "minute": 22}
